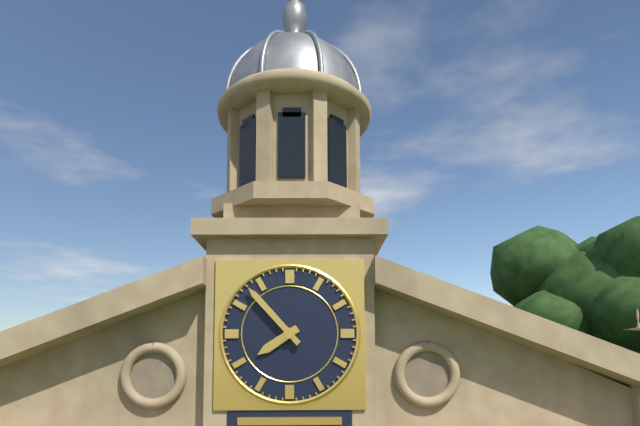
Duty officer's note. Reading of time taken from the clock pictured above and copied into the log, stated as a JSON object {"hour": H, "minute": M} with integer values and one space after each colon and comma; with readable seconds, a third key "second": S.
{"hour": 7, "minute": 53}
